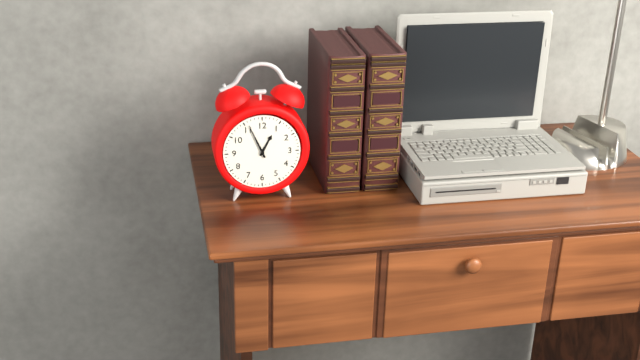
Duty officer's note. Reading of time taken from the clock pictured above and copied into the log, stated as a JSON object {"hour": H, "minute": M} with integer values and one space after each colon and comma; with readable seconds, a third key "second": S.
{"hour": 12, "minute": 56}
